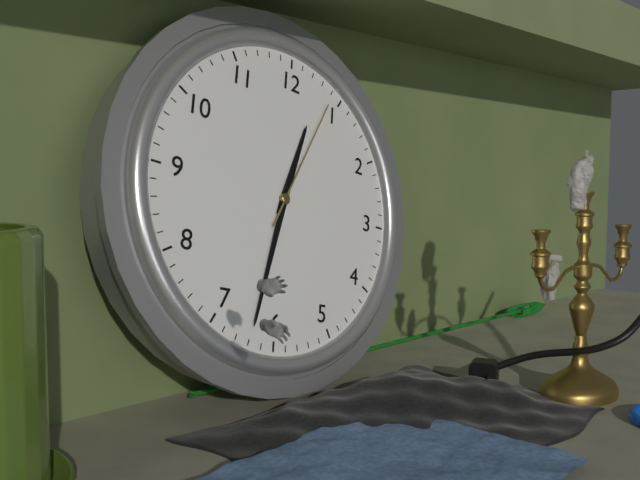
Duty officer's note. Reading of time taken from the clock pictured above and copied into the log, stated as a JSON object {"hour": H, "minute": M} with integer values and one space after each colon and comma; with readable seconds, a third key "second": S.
{"hour": 12, "minute": 32, "second": 4}
